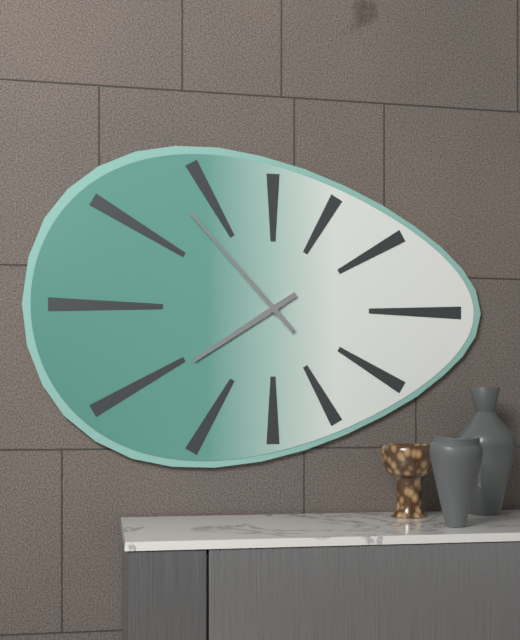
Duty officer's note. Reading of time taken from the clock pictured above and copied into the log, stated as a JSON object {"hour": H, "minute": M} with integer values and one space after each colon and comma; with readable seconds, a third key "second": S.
{"hour": 7, "minute": 53}
